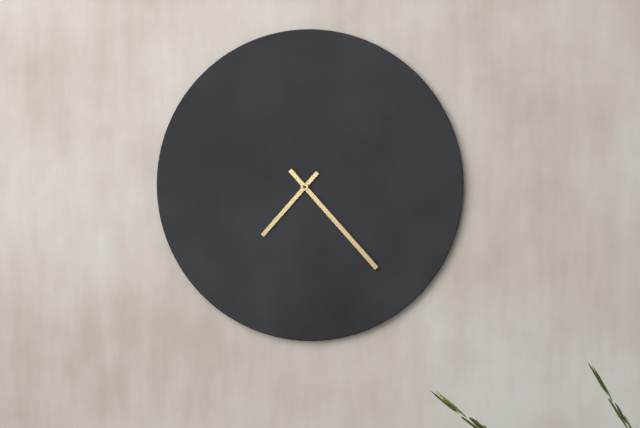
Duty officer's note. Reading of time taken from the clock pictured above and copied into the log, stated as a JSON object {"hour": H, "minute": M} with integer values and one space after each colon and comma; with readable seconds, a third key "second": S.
{"hour": 7, "minute": 23}
